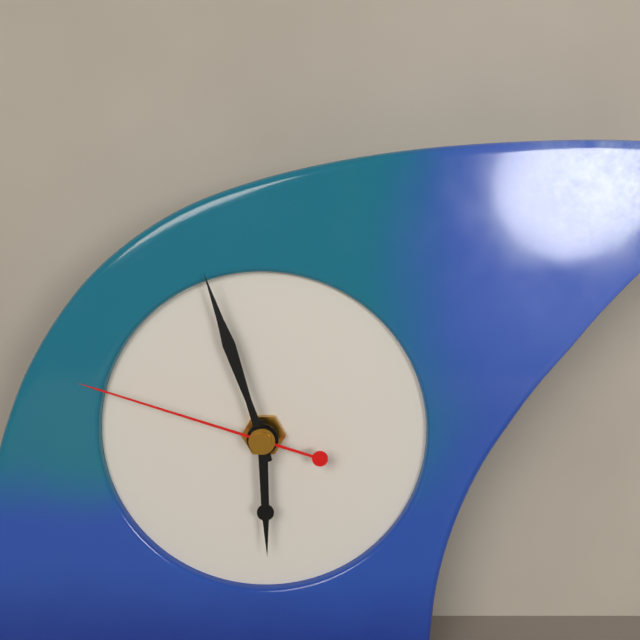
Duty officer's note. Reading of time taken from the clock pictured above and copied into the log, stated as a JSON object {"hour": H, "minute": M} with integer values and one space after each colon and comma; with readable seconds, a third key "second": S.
{"hour": 5, "minute": 57, "second": 48}
